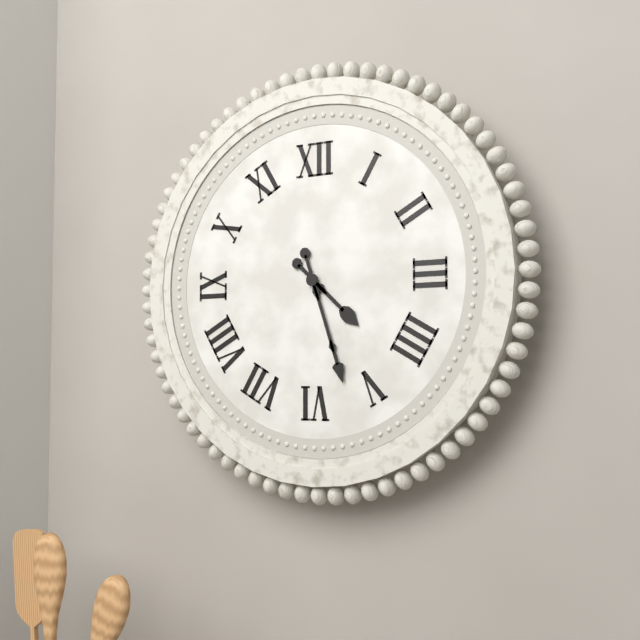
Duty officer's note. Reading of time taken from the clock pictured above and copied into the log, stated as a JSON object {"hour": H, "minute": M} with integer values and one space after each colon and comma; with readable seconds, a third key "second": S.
{"hour": 4, "minute": 27}
